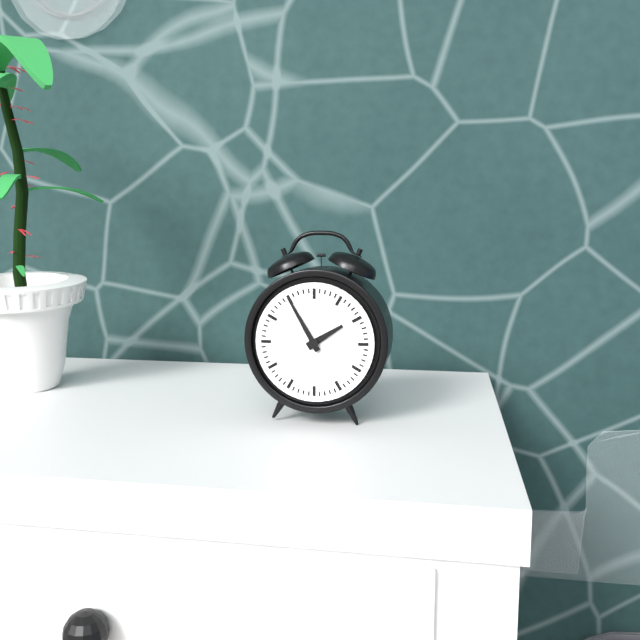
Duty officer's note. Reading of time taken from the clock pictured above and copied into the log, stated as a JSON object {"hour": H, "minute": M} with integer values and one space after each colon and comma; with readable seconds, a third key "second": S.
{"hour": 1, "minute": 55}
